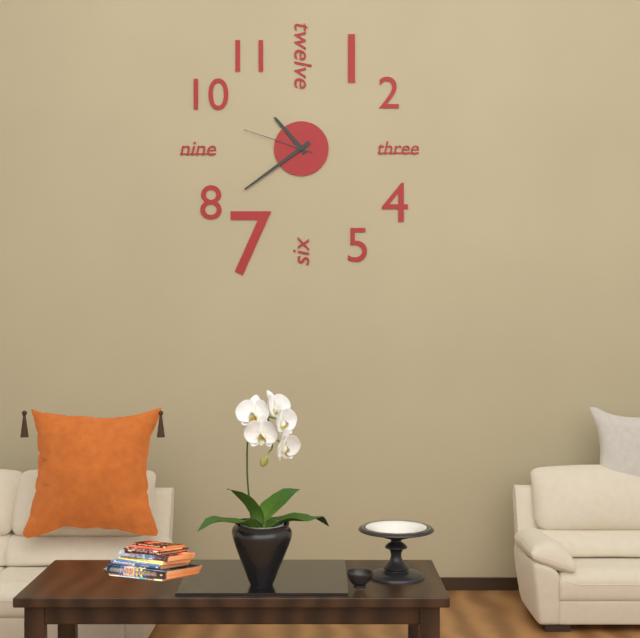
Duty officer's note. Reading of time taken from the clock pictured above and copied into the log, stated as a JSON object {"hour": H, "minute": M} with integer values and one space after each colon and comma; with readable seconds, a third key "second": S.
{"hour": 10, "minute": 39, "second": 48}
